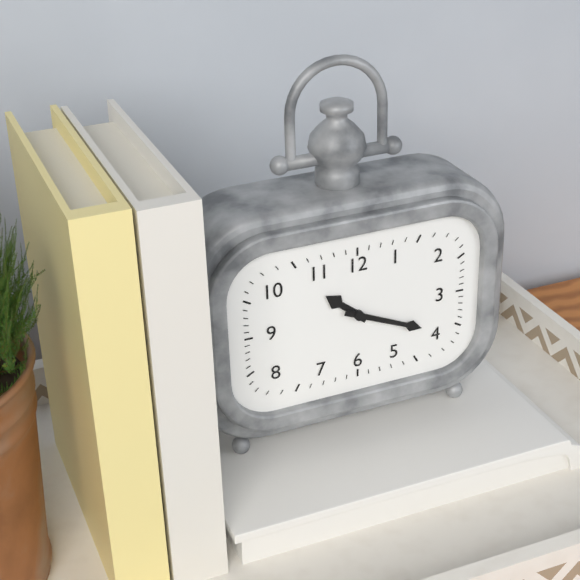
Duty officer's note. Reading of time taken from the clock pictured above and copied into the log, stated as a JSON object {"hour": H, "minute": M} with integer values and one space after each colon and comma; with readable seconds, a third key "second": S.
{"hour": 10, "minute": 19}
